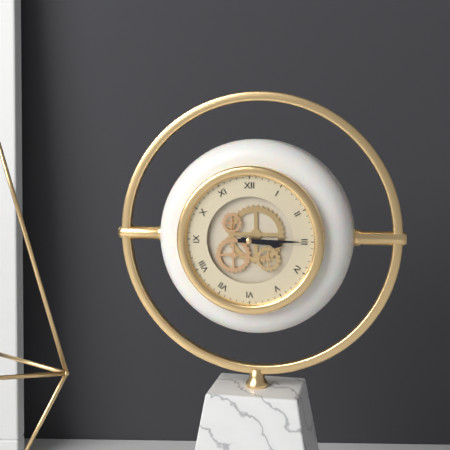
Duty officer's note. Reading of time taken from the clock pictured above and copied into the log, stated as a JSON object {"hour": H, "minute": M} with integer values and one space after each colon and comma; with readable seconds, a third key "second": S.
{"hour": 3, "minute": 15}
